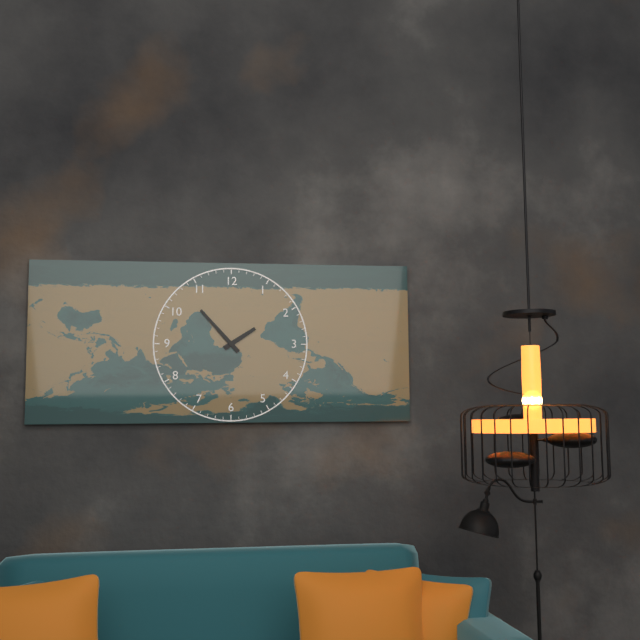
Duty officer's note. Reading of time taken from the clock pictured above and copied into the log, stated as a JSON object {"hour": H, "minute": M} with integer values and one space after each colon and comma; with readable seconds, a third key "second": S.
{"hour": 1, "minute": 53}
